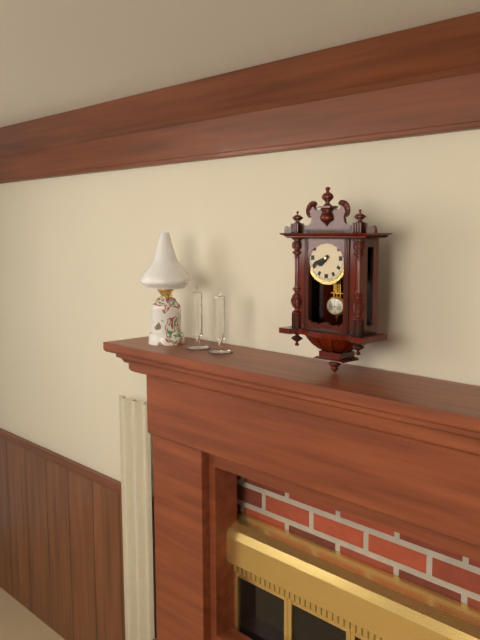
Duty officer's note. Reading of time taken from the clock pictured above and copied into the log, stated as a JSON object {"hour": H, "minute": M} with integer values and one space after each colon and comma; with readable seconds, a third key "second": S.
{"hour": 7, "minute": 41}
